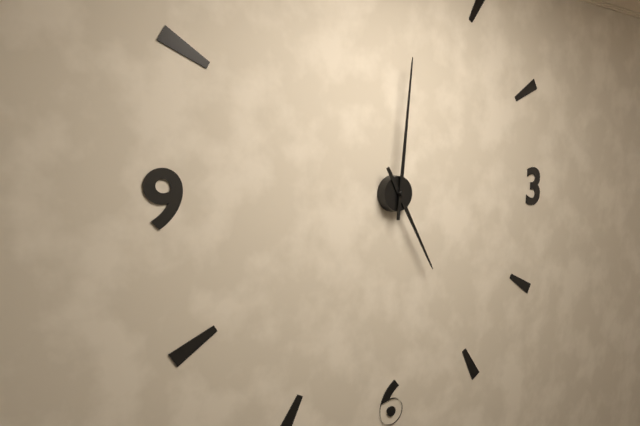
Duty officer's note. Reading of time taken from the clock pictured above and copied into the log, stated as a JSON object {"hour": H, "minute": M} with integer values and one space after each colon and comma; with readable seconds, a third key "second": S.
{"hour": 5, "minute": 1}
